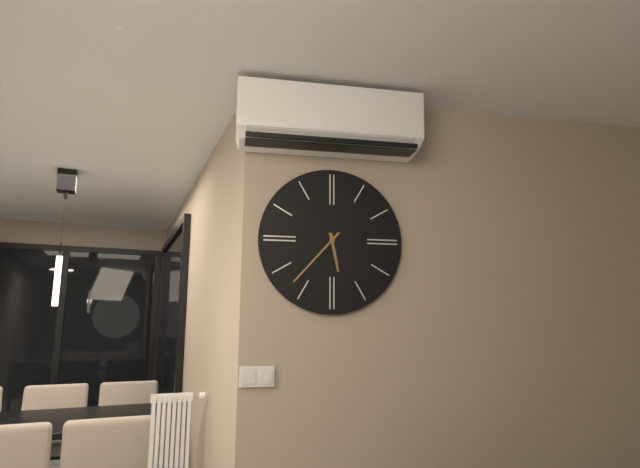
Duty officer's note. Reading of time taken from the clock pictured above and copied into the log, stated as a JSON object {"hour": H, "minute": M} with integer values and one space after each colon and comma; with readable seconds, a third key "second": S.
{"hour": 5, "minute": 37}
